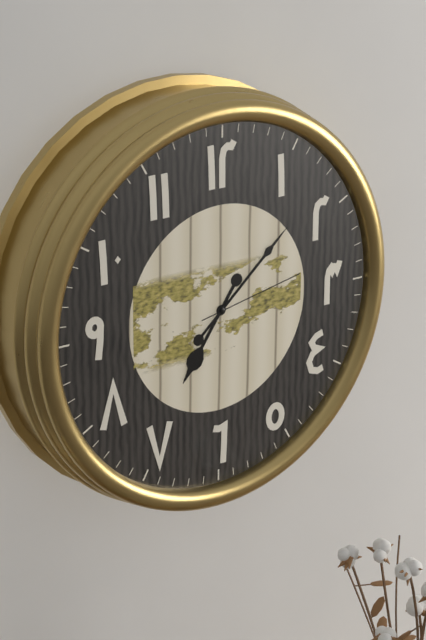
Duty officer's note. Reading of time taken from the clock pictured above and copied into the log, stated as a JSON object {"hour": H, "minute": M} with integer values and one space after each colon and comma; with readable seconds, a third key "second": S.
{"hour": 7, "minute": 8, "second": 13}
